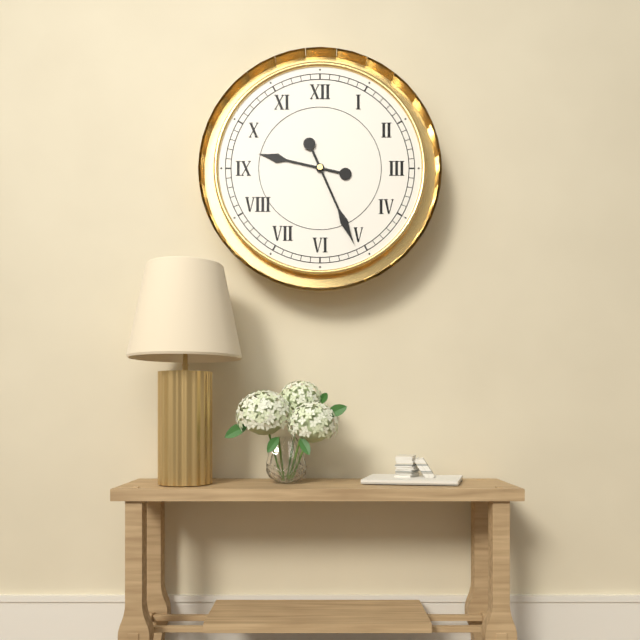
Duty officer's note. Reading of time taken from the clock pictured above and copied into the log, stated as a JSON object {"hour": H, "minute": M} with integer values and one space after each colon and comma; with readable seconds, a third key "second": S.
{"hour": 9, "minute": 26}
